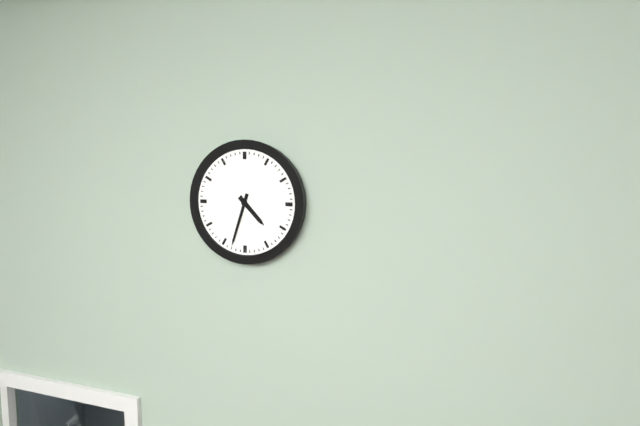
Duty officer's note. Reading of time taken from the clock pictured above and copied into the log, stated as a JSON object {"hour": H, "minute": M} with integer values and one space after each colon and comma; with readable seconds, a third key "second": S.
{"hour": 4, "minute": 33}
